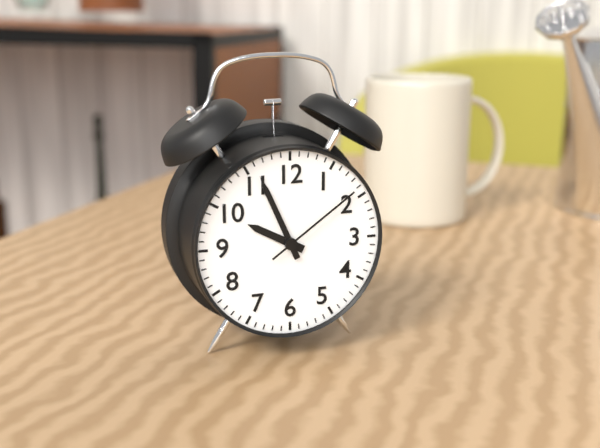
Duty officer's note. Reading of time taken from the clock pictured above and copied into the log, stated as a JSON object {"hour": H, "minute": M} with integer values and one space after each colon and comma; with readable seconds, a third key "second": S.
{"hour": 9, "minute": 56, "second": 9}
